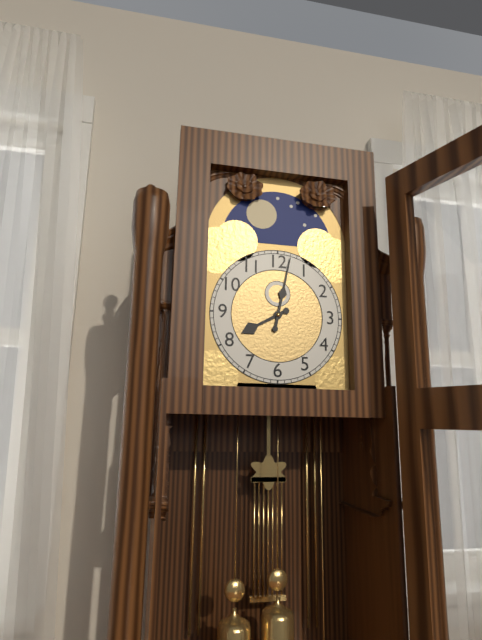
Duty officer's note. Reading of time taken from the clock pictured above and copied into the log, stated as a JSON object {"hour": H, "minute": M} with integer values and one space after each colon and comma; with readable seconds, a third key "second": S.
{"hour": 8, "minute": 2}
